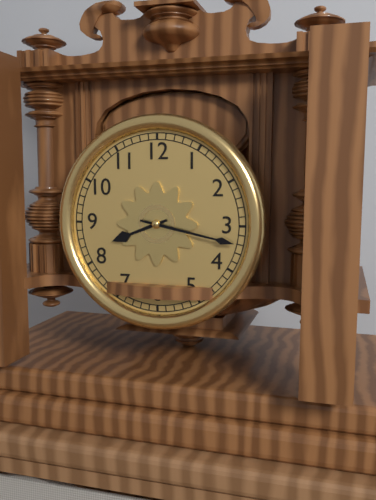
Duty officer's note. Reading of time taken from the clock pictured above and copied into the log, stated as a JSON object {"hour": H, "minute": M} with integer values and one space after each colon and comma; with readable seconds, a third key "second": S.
{"hour": 8, "minute": 17}
